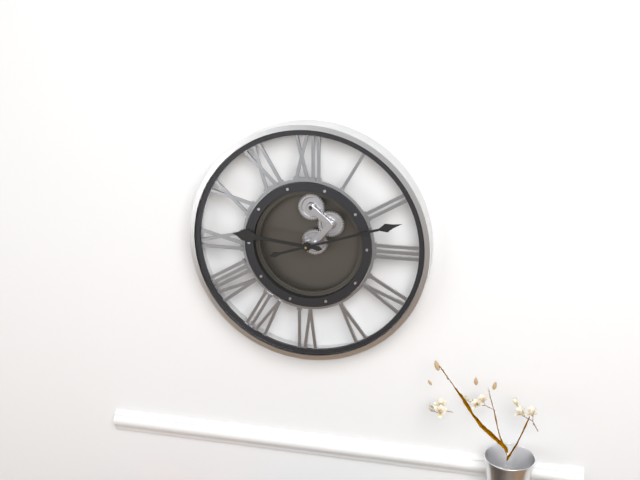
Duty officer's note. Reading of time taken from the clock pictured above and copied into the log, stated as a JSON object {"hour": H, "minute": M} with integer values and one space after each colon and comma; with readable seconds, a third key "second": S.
{"hour": 9, "minute": 12}
